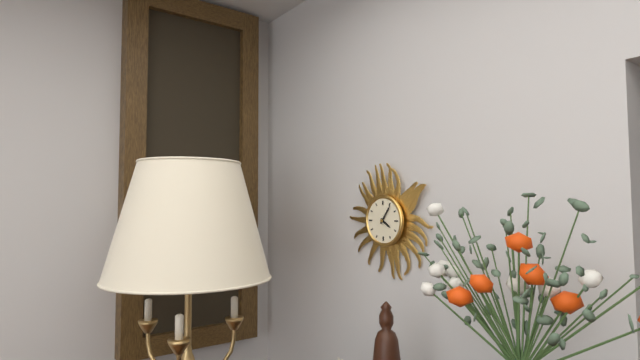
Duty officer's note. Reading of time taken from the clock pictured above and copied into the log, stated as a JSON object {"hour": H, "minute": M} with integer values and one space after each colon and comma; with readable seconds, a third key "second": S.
{"hour": 4, "minute": 6}
